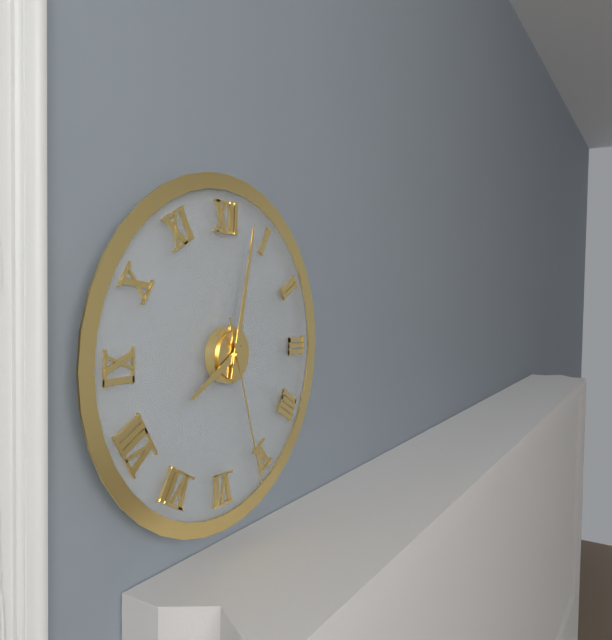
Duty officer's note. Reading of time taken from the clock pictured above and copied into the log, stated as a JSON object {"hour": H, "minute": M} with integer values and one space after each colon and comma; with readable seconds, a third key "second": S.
{"hour": 8, "minute": 2, "second": 27}
